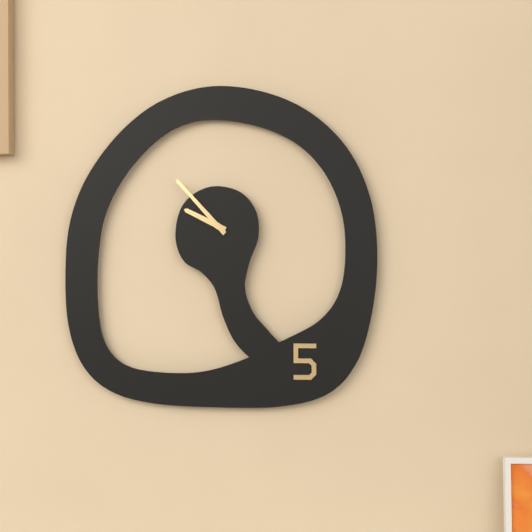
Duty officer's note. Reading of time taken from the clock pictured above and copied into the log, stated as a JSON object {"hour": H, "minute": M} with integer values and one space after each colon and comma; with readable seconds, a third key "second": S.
{"hour": 9, "minute": 53}
